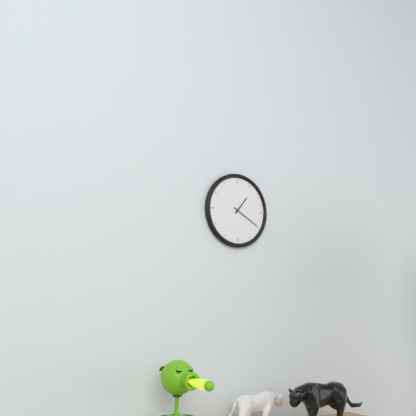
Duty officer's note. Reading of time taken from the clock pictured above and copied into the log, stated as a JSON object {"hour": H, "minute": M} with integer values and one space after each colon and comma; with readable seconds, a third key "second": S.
{"hour": 1, "minute": 20}
